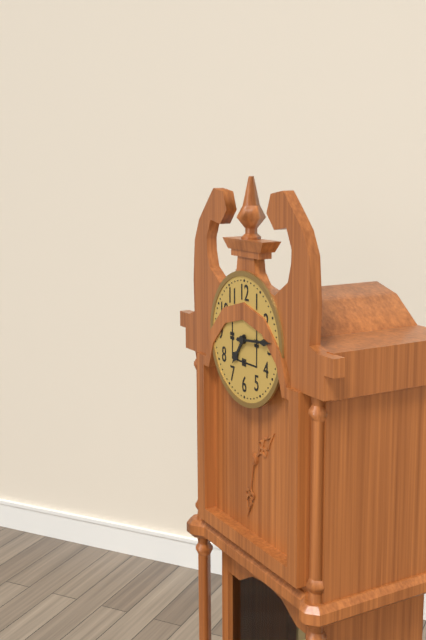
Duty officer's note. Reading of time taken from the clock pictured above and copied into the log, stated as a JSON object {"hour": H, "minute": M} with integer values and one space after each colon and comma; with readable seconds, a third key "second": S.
{"hour": 7, "minute": 14}
